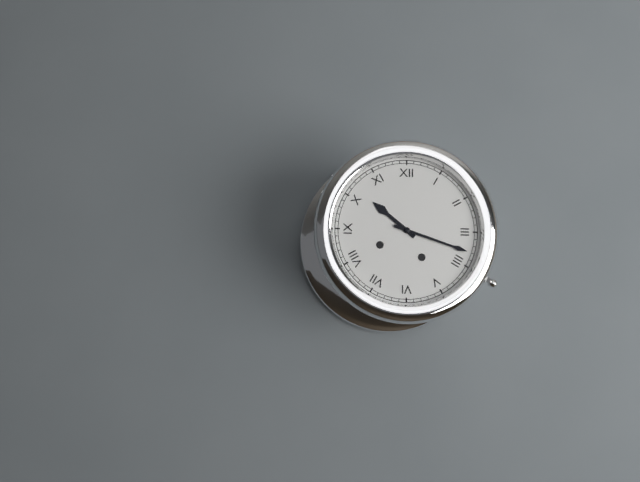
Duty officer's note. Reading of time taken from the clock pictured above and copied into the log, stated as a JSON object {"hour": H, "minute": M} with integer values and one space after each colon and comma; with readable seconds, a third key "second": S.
{"hour": 10, "minute": 18}
